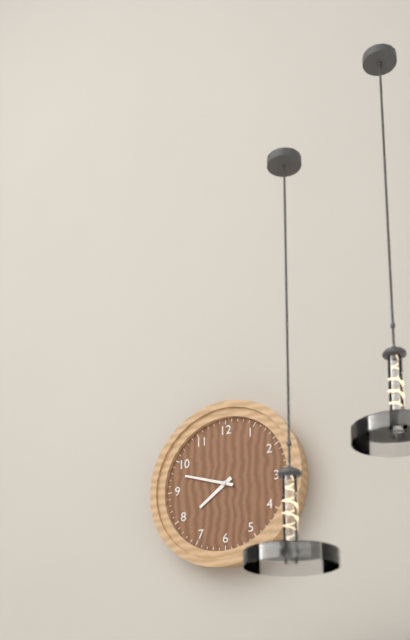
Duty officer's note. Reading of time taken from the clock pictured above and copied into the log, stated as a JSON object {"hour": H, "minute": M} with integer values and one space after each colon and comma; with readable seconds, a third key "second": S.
{"hour": 7, "minute": 48}
